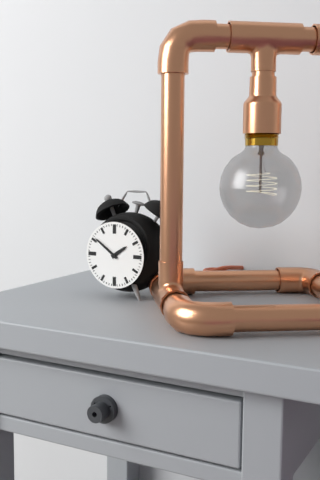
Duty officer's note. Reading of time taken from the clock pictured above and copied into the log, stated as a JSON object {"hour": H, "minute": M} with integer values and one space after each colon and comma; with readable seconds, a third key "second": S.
{"hour": 1, "minute": 51}
